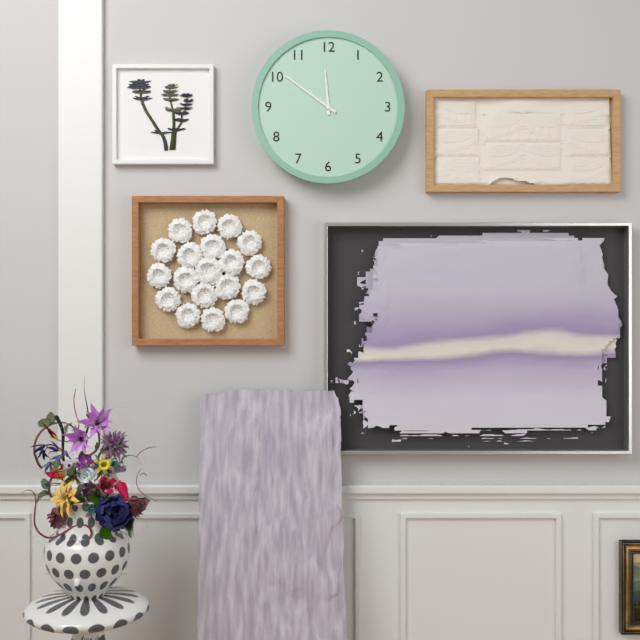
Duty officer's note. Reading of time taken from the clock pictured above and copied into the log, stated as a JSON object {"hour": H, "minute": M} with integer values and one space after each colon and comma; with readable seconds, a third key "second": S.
{"hour": 11, "minute": 51}
